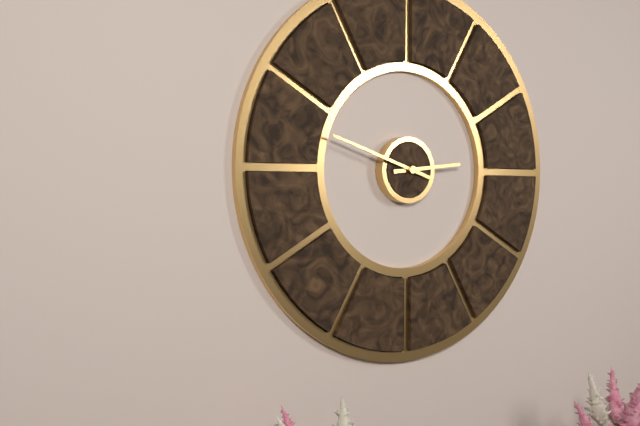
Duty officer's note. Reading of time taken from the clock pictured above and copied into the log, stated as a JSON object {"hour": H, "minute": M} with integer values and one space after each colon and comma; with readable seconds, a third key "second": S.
{"hour": 2, "minute": 48}
